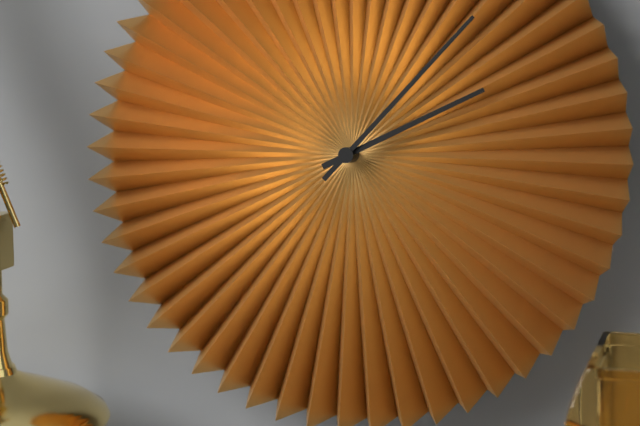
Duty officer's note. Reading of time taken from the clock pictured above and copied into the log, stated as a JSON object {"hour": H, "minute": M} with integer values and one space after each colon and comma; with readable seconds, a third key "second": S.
{"hour": 2, "minute": 7}
